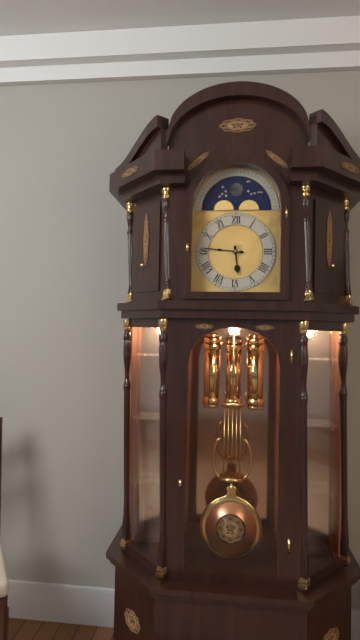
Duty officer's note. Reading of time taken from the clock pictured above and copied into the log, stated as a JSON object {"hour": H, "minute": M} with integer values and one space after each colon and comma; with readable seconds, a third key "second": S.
{"hour": 5, "minute": 46}
